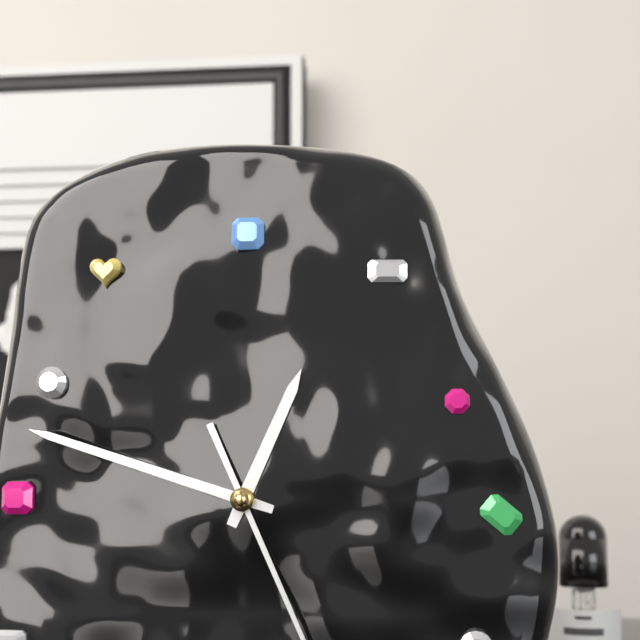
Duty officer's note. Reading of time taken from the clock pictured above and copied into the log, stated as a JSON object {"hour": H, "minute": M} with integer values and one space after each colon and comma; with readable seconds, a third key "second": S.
{"hour": 12, "minute": 48}
